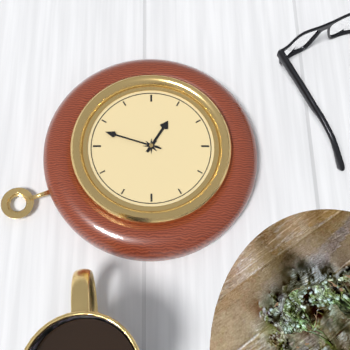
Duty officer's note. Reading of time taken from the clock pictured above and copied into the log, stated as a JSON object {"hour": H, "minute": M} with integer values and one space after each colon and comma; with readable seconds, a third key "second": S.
{"hour": 4, "minute": 3}
